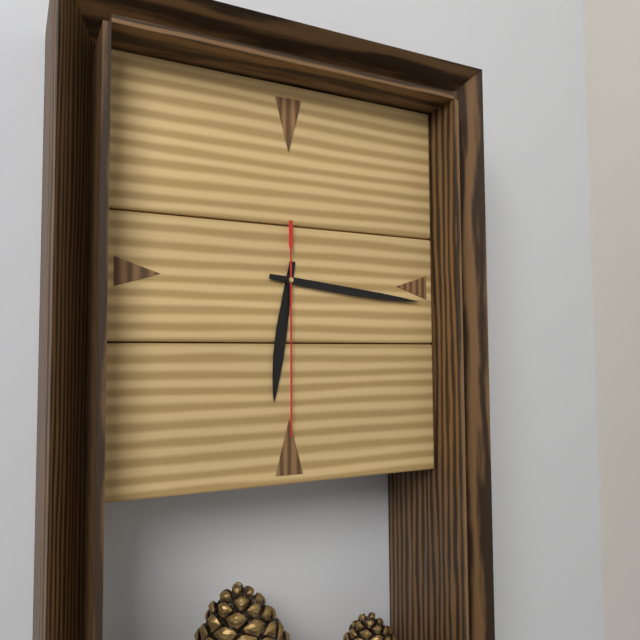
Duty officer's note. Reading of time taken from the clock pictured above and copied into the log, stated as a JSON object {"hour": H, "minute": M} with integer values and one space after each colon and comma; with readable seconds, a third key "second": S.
{"hour": 6, "minute": 16, "second": 30}
